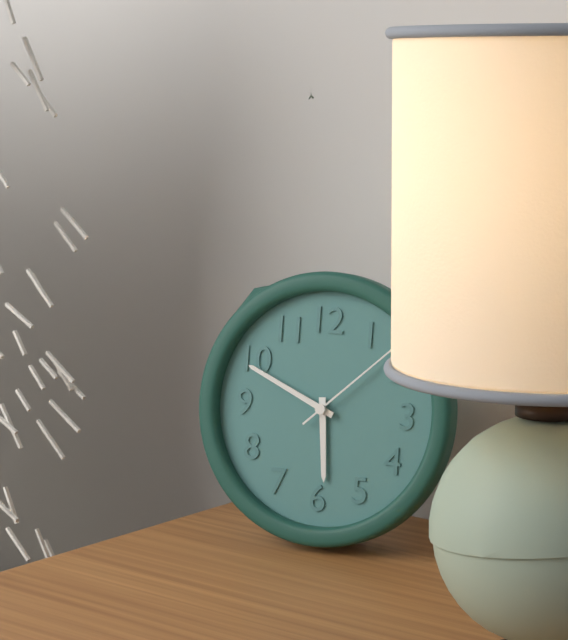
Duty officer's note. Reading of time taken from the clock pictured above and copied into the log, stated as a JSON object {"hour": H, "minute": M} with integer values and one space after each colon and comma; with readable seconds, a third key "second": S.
{"hour": 5, "minute": 49, "second": 8}
